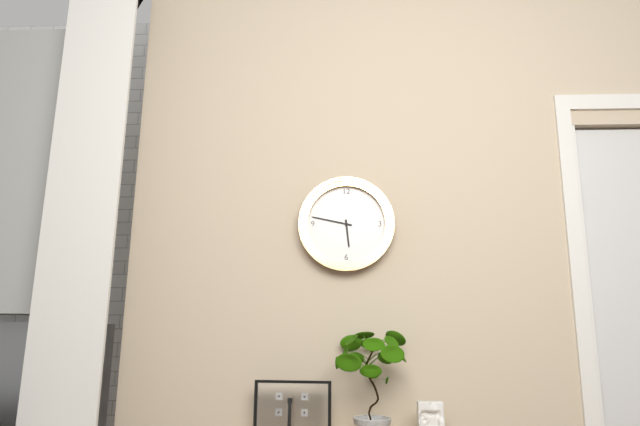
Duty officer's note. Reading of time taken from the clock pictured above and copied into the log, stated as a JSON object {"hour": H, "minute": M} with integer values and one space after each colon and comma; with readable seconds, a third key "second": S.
{"hour": 5, "minute": 47}
